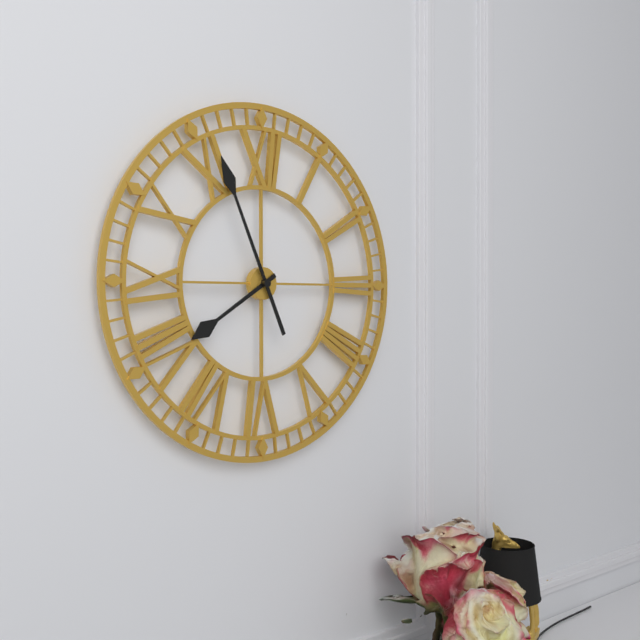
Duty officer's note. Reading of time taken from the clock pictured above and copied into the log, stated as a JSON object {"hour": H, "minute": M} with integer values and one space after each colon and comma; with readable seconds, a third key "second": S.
{"hour": 7, "minute": 56}
